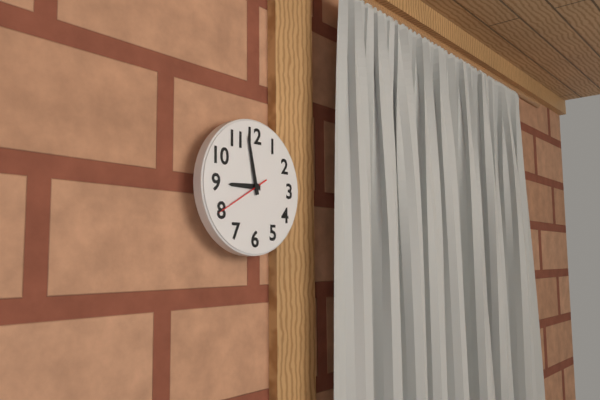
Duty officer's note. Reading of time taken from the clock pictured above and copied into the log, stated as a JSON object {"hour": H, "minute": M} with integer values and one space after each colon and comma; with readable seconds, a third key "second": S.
{"hour": 8, "minute": 58, "second": 40}
